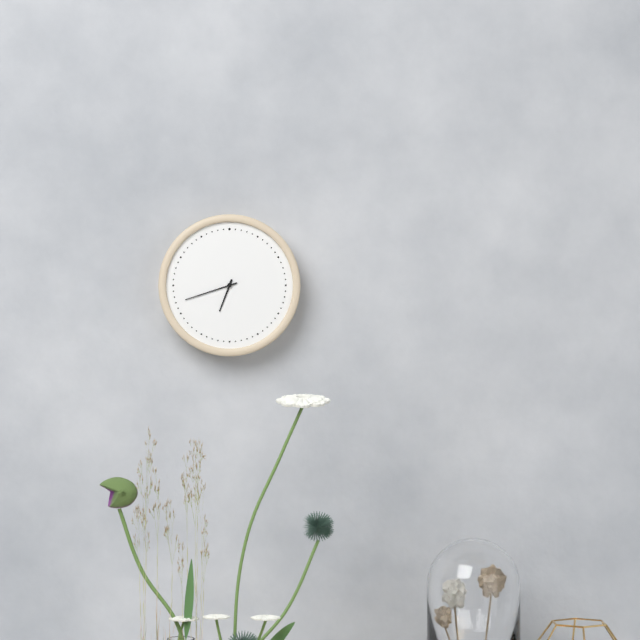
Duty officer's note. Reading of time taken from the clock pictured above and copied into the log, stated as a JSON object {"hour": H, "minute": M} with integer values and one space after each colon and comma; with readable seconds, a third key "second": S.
{"hour": 6, "minute": 42}
